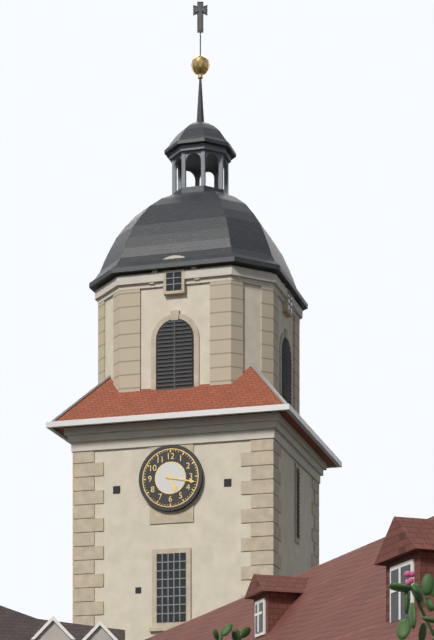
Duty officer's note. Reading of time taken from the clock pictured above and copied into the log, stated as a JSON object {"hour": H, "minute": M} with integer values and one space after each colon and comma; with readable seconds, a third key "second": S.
{"hour": 5, "minute": 17}
